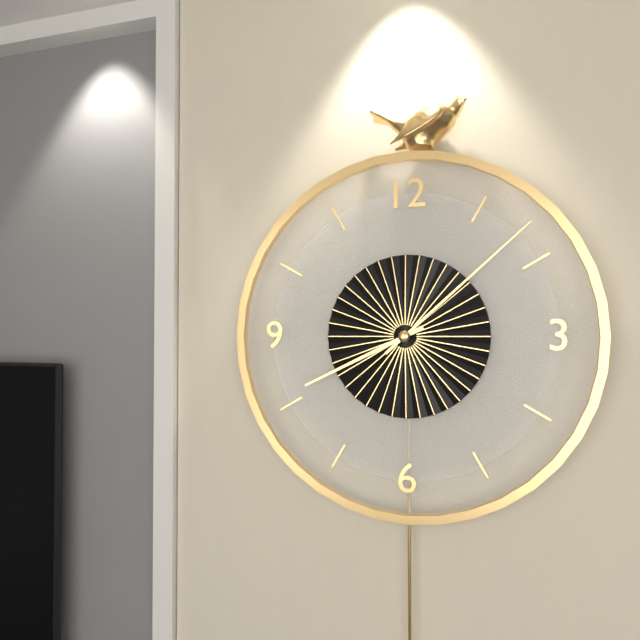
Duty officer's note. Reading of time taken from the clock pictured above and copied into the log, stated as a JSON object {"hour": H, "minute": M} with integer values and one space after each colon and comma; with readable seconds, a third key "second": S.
{"hour": 8, "minute": 8}
